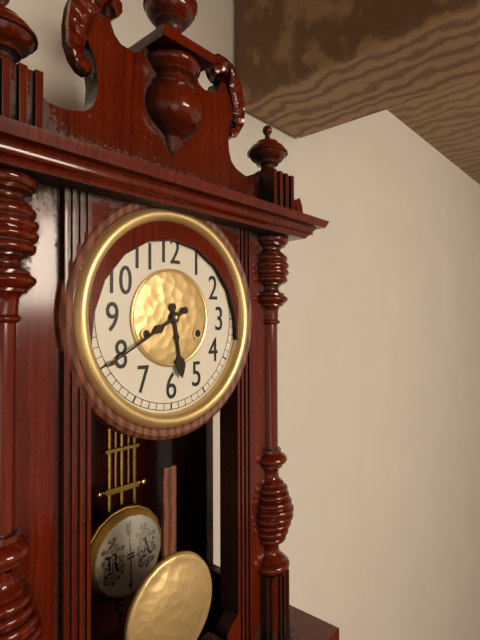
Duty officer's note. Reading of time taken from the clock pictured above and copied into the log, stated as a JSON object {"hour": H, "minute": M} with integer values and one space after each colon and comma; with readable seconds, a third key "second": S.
{"hour": 5, "minute": 40}
